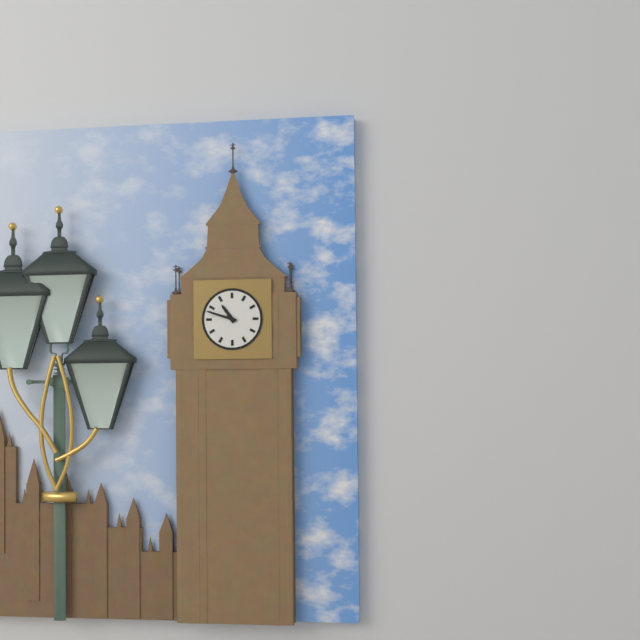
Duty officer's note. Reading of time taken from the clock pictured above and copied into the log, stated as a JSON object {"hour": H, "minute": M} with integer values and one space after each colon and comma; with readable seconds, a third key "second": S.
{"hour": 10, "minute": 48}
